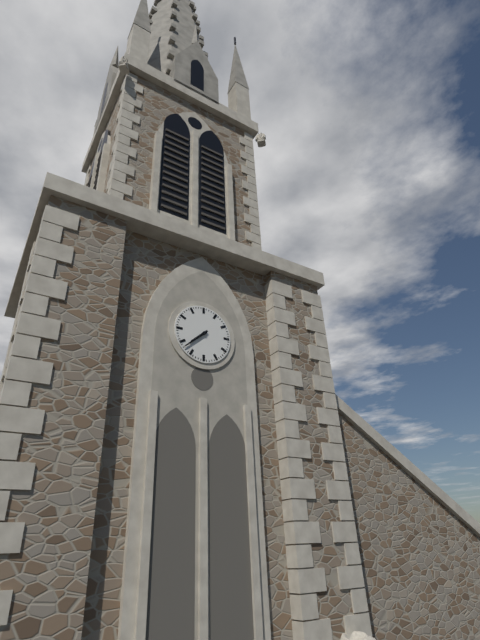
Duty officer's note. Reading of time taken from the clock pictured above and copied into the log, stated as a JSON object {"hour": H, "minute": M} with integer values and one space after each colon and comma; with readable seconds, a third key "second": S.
{"hour": 7, "minute": 38}
